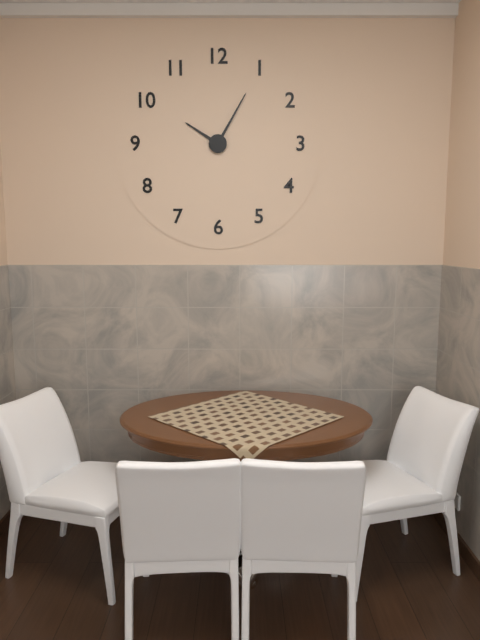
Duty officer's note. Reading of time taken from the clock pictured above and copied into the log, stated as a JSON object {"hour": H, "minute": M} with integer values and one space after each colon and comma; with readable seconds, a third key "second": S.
{"hour": 10, "minute": 5}
